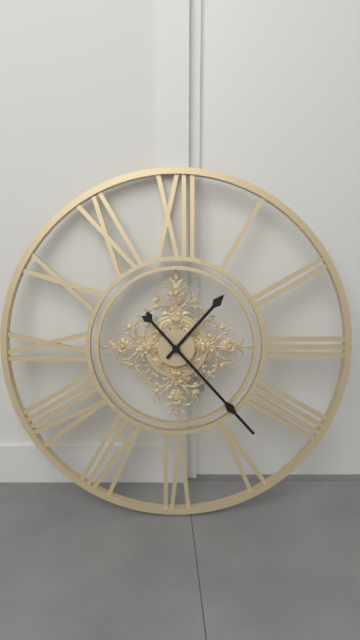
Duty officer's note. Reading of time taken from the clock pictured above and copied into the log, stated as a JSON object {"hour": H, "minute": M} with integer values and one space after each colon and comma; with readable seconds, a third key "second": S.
{"hour": 1, "minute": 23}
